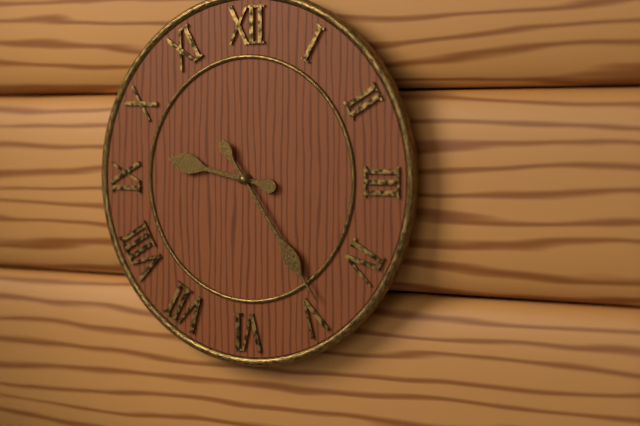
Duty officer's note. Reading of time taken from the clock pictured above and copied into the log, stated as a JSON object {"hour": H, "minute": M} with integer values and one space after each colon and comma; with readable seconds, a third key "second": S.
{"hour": 9, "minute": 24}
